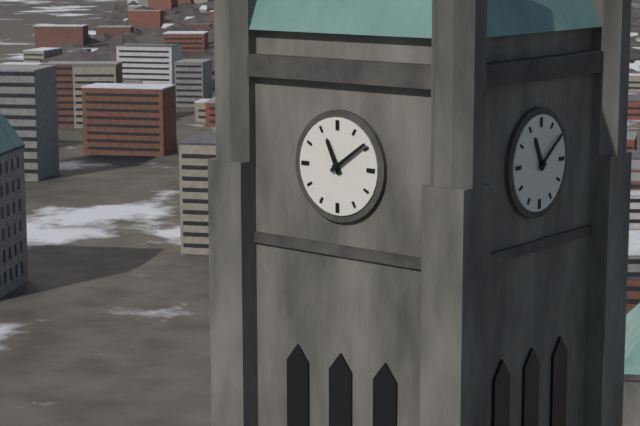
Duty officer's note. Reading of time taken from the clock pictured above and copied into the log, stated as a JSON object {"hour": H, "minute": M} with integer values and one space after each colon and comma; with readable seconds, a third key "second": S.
{"hour": 11, "minute": 9}
